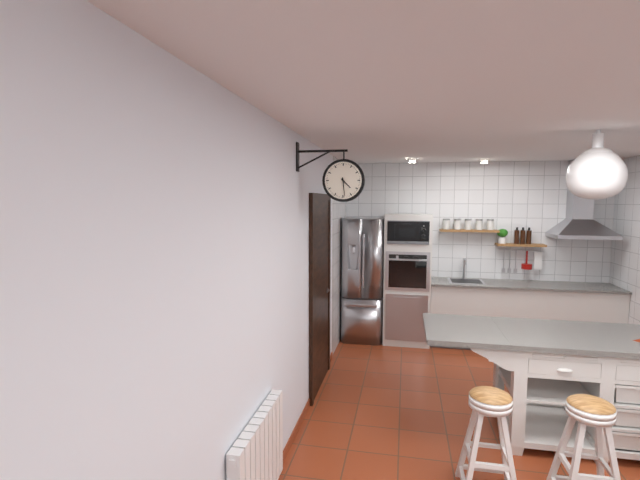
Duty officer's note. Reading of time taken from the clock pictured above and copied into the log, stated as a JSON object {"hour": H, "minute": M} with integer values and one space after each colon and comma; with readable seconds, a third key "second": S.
{"hour": 4, "minute": 29}
